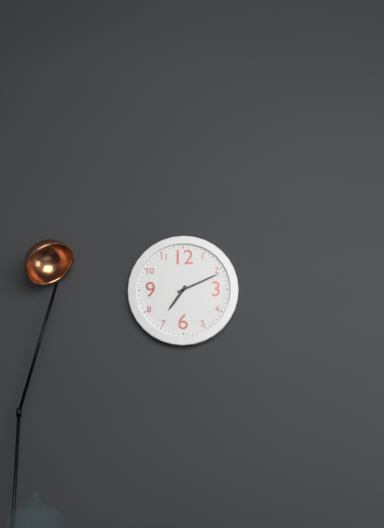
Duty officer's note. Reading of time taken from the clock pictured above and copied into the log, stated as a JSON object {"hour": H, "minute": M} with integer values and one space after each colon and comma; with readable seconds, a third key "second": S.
{"hour": 7, "minute": 11}
